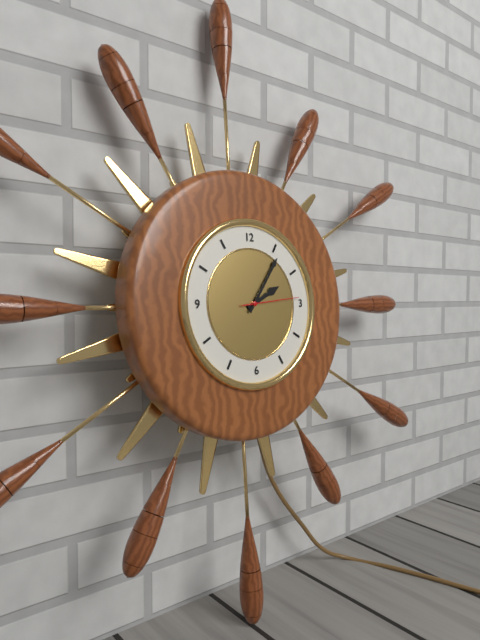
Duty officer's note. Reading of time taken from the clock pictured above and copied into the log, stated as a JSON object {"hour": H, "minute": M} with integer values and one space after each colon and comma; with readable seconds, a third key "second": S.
{"hour": 2, "minute": 6, "second": 14}
